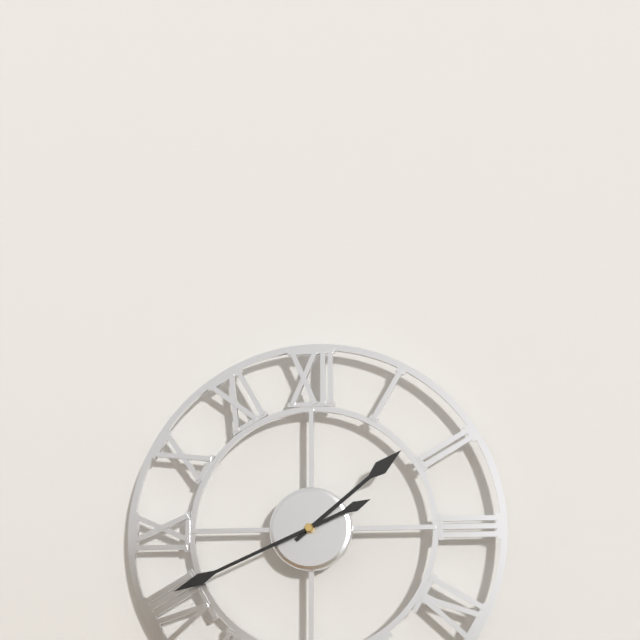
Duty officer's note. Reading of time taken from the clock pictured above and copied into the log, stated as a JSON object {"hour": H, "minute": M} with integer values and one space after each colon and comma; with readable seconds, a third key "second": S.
{"hour": 1, "minute": 41}
